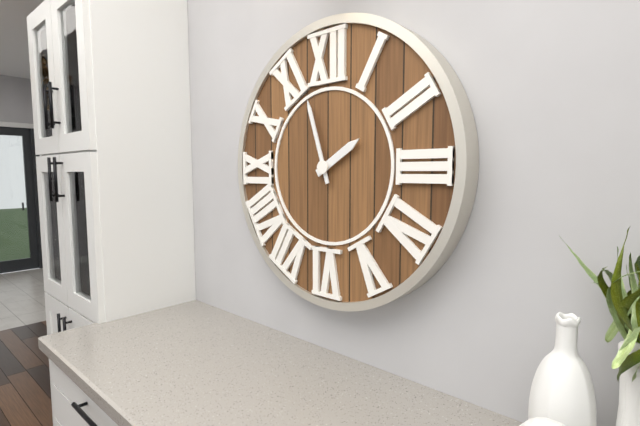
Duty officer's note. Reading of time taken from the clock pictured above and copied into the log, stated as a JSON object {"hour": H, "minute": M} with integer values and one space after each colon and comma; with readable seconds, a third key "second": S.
{"hour": 1, "minute": 57}
